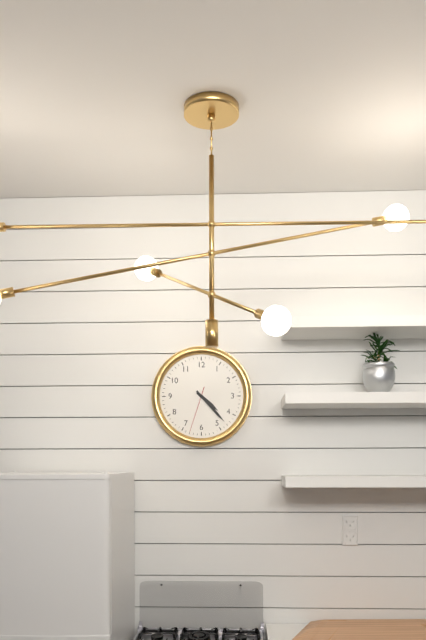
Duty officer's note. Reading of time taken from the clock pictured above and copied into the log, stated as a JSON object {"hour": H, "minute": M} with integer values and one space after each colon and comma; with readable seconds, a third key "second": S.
{"hour": 4, "minute": 23}
